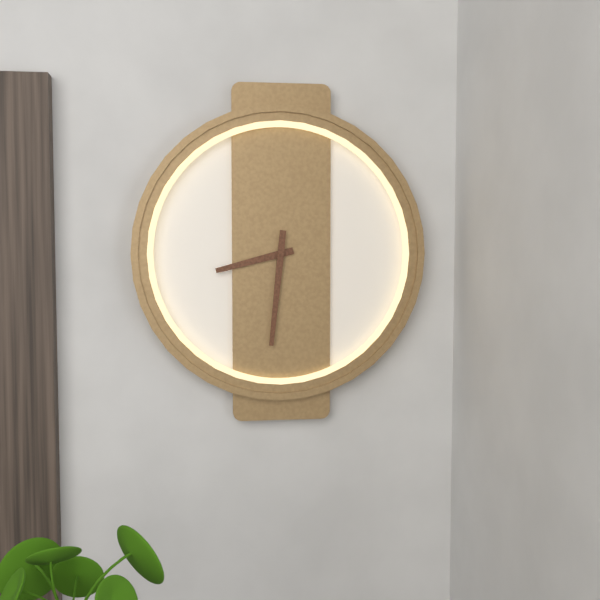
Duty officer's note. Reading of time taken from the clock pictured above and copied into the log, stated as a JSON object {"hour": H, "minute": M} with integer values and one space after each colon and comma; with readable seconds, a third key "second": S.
{"hour": 8, "minute": 31}
